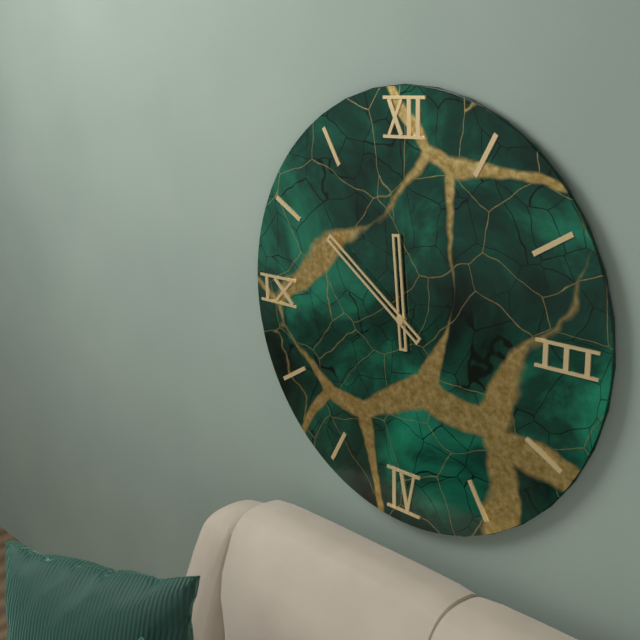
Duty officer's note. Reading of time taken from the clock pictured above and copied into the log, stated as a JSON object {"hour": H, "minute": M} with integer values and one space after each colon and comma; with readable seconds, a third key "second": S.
{"hour": 11, "minute": 51}
